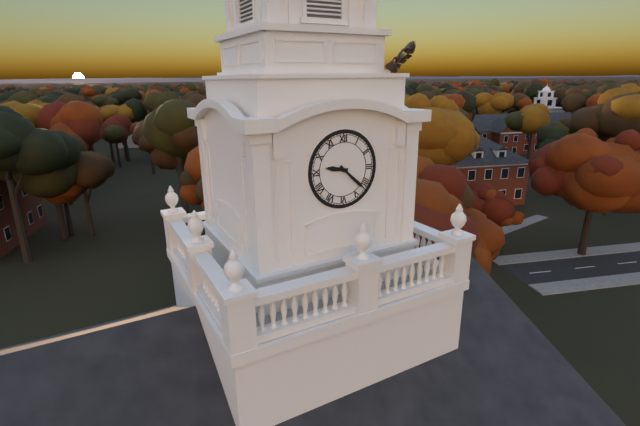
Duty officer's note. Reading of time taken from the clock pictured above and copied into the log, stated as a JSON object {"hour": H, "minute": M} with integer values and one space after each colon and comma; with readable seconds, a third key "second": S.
{"hour": 9, "minute": 22}
